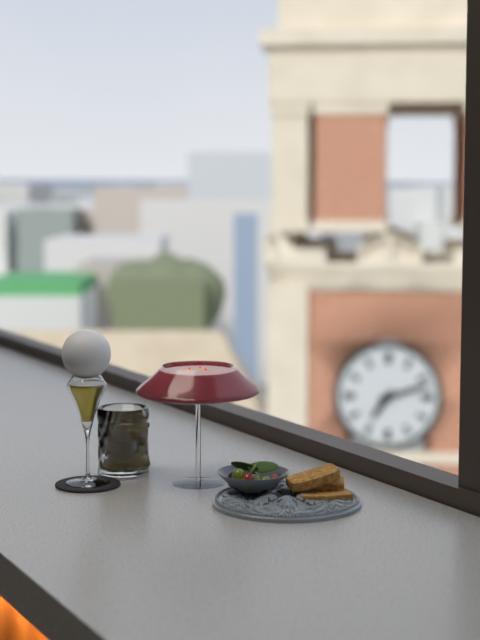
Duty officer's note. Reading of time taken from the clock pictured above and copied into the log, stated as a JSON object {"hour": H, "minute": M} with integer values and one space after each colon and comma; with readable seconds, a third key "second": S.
{"hour": 7, "minute": 12}
